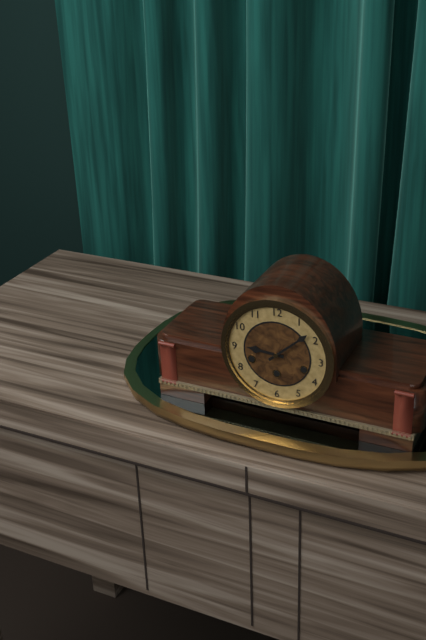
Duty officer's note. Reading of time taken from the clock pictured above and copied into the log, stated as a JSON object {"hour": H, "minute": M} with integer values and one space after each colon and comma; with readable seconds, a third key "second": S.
{"hour": 9, "minute": 8}
